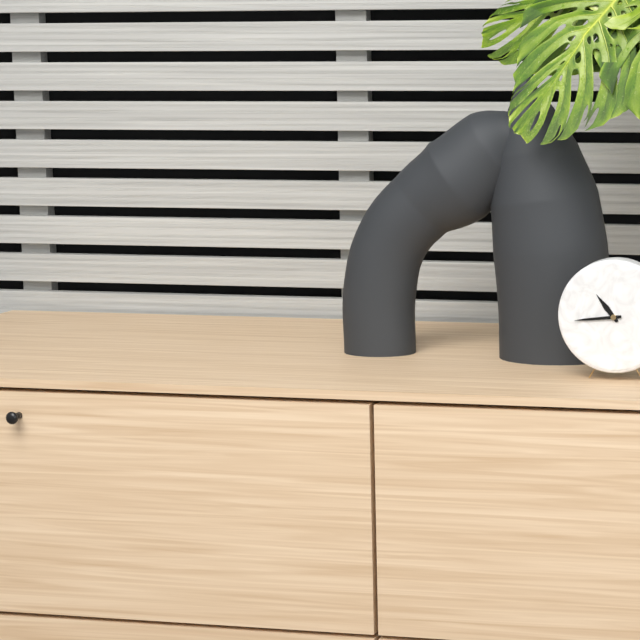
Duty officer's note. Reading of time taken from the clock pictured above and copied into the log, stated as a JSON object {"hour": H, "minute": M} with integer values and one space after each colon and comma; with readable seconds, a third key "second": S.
{"hour": 10, "minute": 44}
